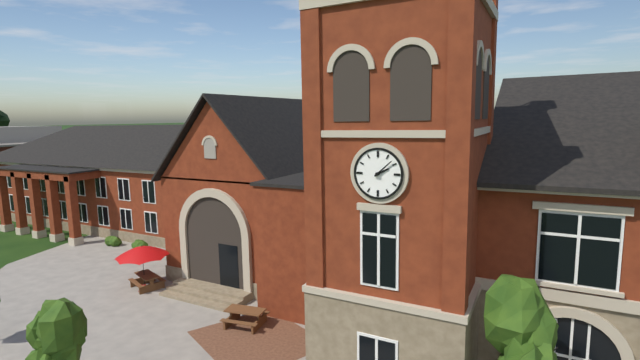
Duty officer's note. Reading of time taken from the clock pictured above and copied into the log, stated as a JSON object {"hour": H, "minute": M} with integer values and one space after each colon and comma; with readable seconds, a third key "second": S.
{"hour": 2, "minute": 8}
